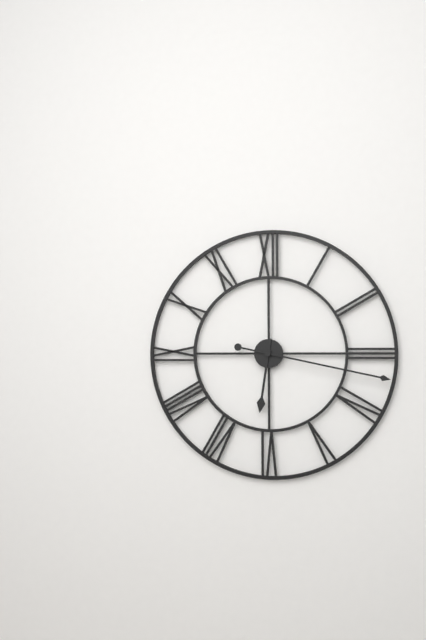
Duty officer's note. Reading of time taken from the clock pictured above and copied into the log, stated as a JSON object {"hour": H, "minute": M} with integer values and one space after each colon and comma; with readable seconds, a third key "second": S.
{"hour": 6, "minute": 17}
